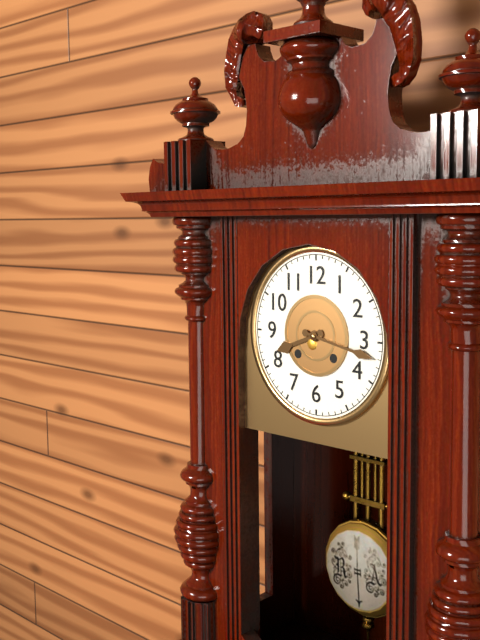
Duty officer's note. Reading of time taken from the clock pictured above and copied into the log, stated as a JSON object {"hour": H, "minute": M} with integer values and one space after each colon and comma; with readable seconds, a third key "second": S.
{"hour": 8, "minute": 17}
